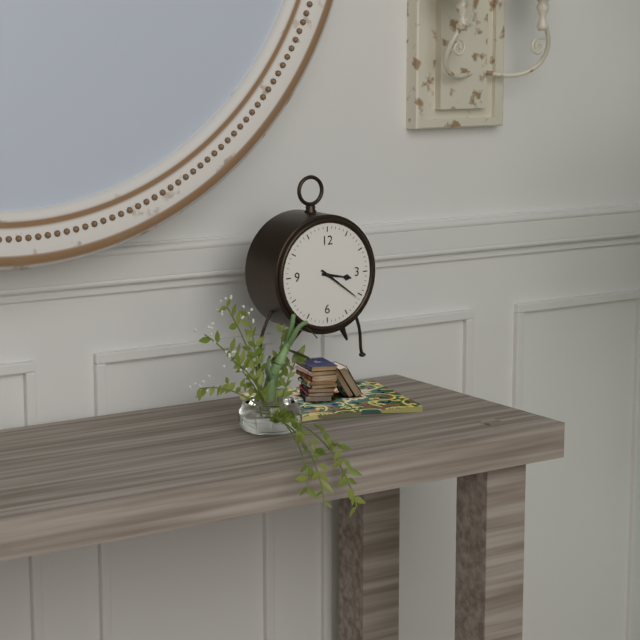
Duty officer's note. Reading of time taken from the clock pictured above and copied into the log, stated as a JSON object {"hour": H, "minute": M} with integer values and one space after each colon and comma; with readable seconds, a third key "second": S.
{"hour": 3, "minute": 21}
